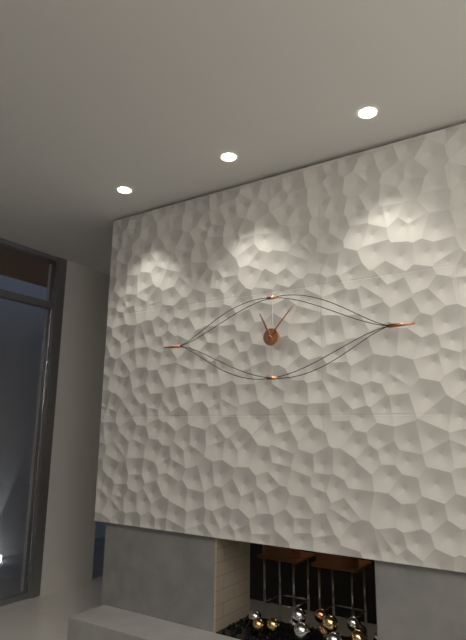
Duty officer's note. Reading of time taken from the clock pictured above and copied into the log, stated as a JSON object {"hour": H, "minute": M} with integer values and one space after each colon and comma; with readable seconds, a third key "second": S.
{"hour": 11, "minute": 7}
